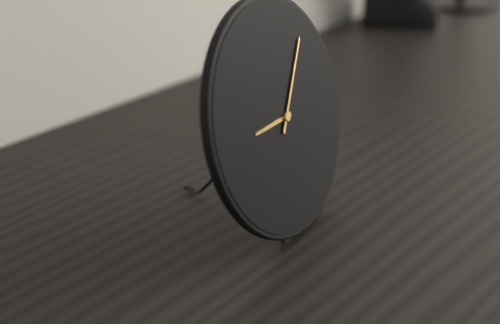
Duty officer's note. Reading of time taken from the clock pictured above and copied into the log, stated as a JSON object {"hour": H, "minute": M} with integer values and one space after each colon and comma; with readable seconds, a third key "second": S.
{"hour": 9, "minute": 7}
